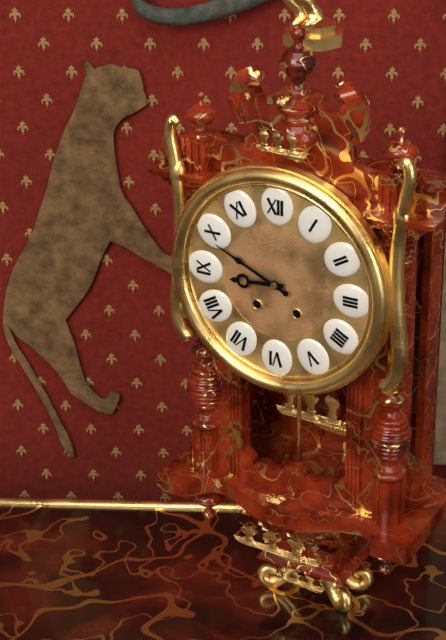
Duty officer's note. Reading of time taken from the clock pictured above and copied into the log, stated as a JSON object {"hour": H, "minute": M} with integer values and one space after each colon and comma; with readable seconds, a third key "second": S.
{"hour": 8, "minute": 49}
